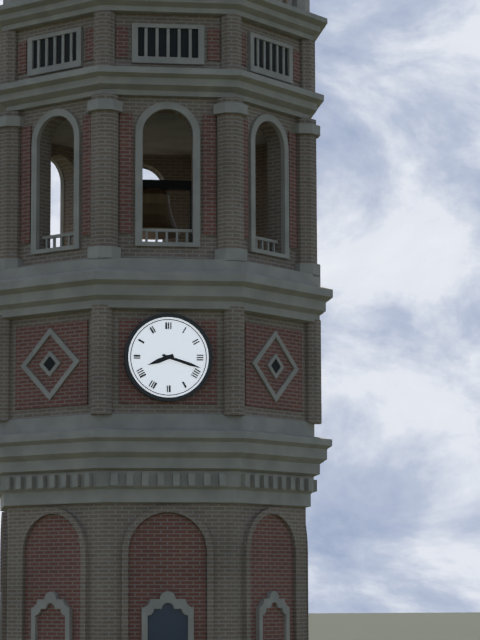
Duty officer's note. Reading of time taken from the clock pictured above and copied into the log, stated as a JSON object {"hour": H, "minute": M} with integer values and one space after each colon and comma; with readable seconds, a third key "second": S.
{"hour": 8, "minute": 18}
